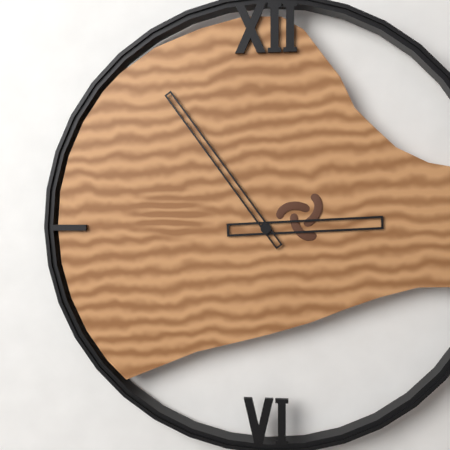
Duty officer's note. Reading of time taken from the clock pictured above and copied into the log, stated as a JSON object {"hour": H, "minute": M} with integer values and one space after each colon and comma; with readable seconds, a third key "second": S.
{"hour": 2, "minute": 54}
